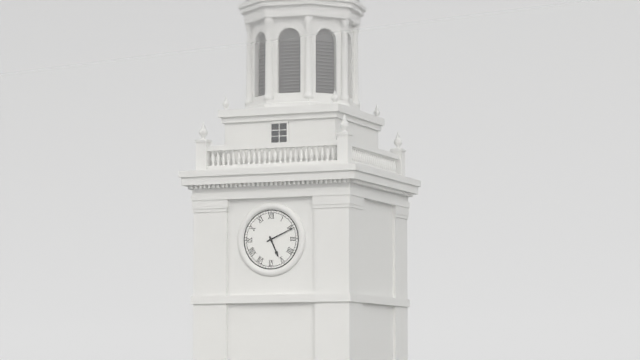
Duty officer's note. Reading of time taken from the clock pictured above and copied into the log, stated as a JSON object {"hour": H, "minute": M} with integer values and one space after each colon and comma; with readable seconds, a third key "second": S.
{"hour": 5, "minute": 11}
